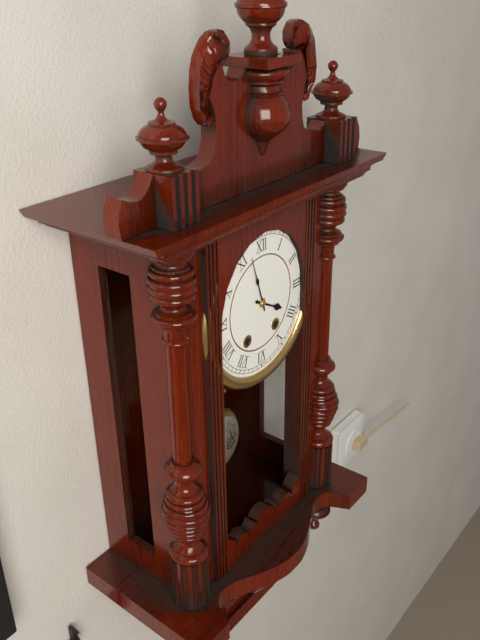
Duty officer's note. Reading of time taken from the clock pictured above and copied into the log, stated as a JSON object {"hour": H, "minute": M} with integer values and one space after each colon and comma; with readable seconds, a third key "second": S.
{"hour": 3, "minute": 57}
